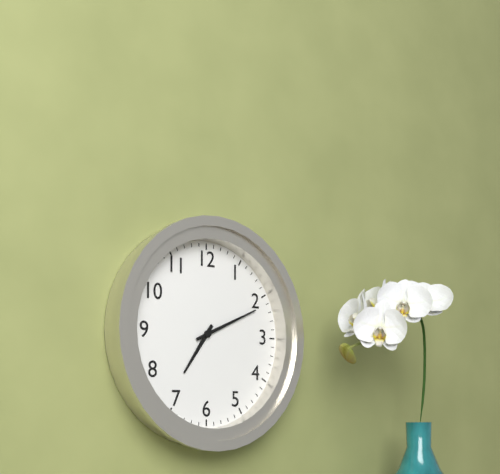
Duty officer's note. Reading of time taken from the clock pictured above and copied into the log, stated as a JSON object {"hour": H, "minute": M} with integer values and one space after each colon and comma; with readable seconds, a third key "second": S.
{"hour": 7, "minute": 11}
